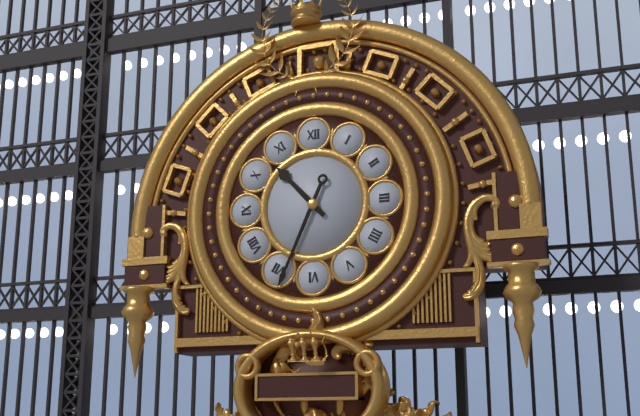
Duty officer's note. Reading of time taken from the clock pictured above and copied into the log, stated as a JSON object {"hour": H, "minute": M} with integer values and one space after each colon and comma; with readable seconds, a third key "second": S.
{"hour": 10, "minute": 34}
